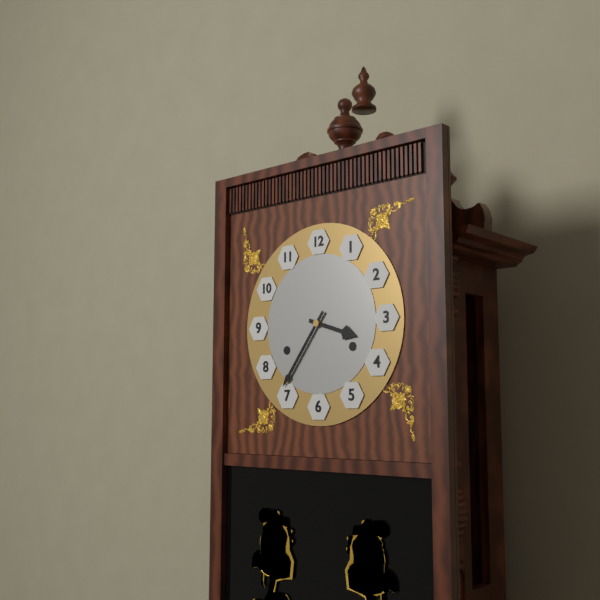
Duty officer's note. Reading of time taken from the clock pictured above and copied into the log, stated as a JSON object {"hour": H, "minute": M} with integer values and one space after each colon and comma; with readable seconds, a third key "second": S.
{"hour": 3, "minute": 36}
